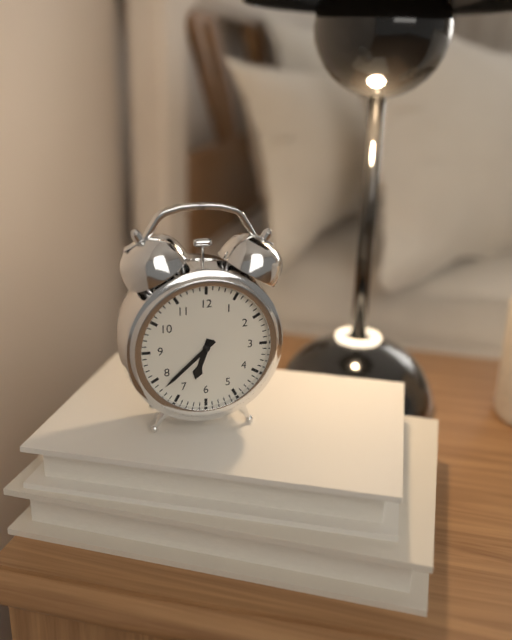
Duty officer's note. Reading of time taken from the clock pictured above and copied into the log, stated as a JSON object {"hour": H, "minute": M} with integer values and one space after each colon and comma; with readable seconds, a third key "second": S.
{"hour": 6, "minute": 38}
